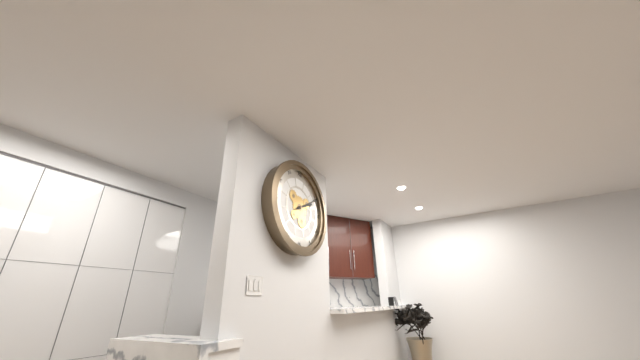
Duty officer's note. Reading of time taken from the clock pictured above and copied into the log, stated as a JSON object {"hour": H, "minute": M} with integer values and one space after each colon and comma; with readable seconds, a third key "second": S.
{"hour": 2, "minute": 10}
